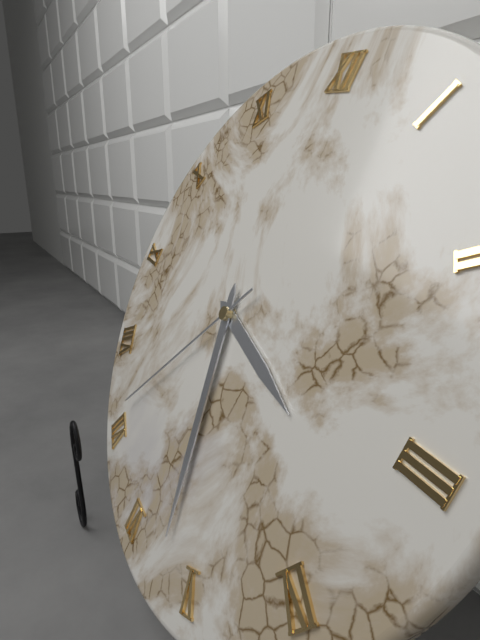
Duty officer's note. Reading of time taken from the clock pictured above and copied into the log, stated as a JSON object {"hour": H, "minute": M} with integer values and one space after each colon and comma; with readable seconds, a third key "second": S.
{"hour": 3, "minute": 27, "second": 36}
